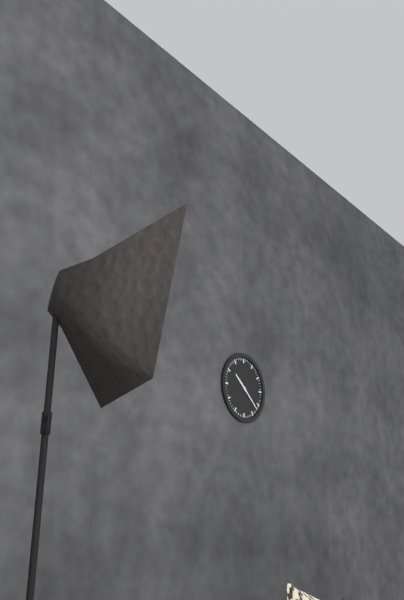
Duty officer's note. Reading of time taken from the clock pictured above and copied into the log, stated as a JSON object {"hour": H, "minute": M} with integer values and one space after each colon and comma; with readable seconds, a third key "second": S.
{"hour": 10, "minute": 22}
